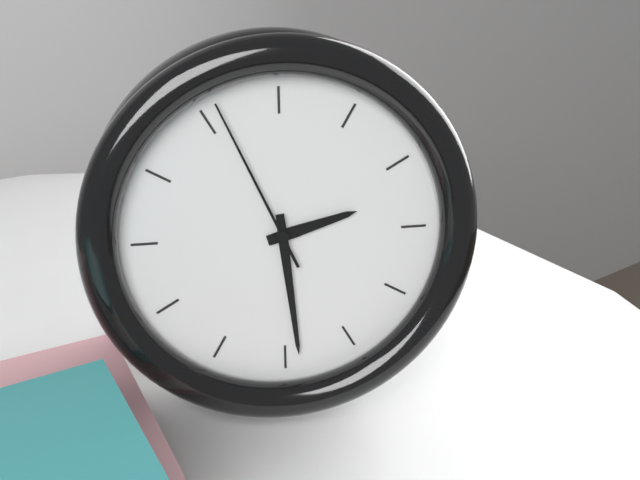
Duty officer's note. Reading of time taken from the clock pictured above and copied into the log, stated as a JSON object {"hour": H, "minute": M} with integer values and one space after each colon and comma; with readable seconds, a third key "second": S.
{"hour": 2, "minute": 29, "second": 56}
